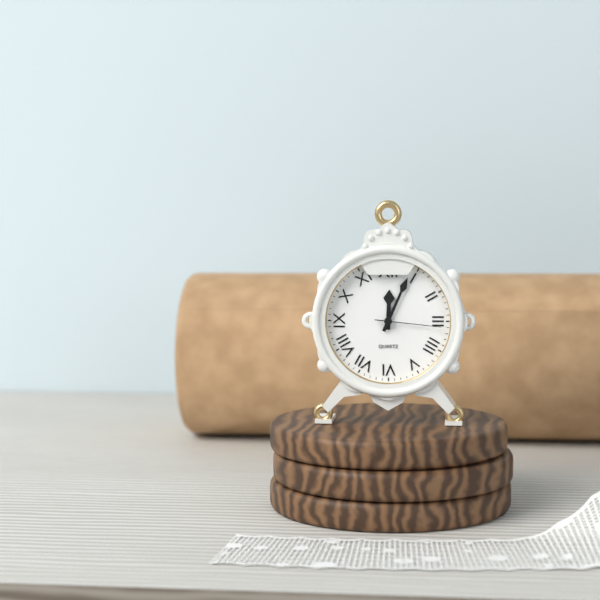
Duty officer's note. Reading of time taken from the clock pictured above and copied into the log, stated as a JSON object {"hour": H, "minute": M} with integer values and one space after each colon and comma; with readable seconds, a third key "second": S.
{"hour": 12, "minute": 4, "second": 16}
